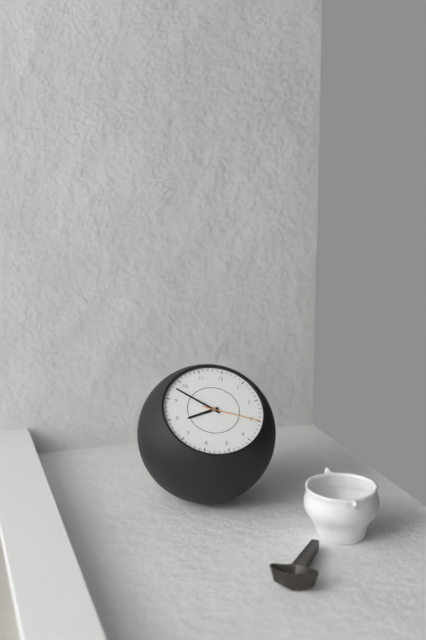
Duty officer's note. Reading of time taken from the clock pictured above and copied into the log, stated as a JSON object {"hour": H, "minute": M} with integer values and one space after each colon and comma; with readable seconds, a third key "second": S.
{"hour": 7, "minute": 48, "second": 15}
